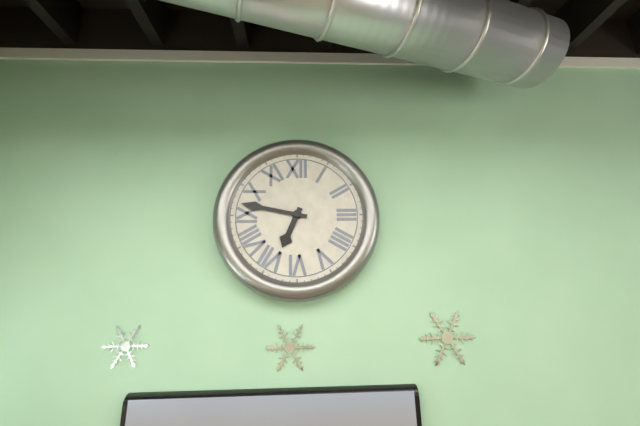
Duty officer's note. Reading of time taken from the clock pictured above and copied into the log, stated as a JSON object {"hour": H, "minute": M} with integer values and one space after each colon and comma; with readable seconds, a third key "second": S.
{"hour": 6, "minute": 47}
